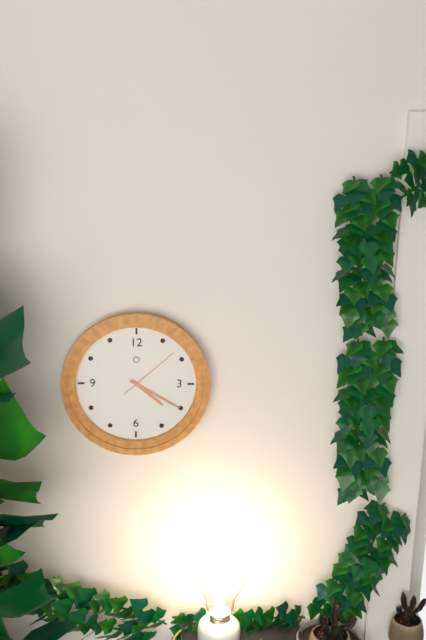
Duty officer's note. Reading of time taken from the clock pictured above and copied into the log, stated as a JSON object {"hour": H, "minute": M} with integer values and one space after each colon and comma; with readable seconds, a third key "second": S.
{"hour": 4, "minute": 20, "second": 8}
